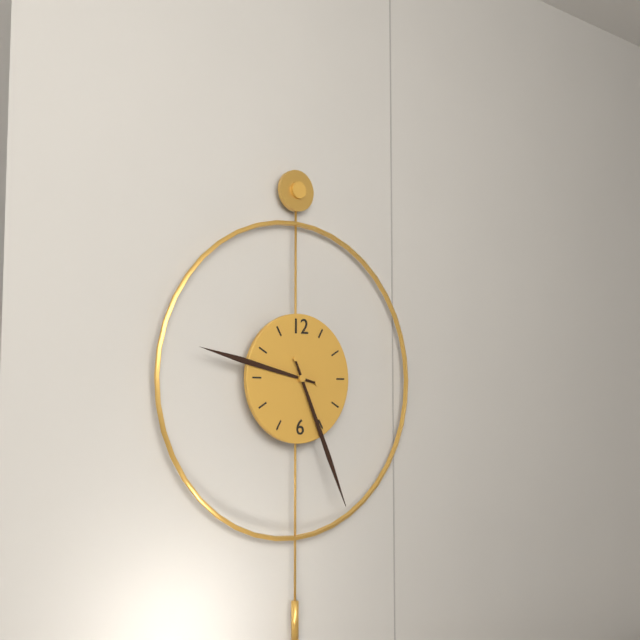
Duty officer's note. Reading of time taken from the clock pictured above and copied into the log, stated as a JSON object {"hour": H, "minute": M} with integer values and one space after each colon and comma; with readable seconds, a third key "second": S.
{"hour": 9, "minute": 26}
